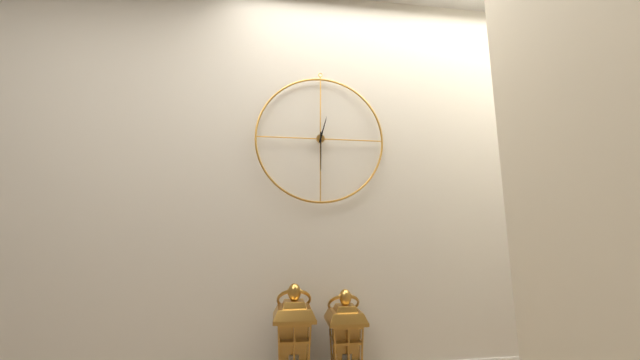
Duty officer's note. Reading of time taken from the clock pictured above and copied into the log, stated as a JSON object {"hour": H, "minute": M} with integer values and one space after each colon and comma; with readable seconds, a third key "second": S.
{"hour": 12, "minute": 30}
